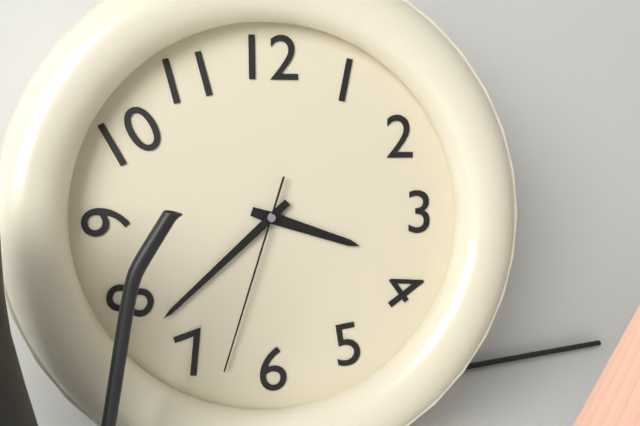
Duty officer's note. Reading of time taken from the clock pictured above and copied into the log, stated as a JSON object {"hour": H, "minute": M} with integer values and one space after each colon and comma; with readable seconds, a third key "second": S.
{"hour": 3, "minute": 38, "second": 33}
